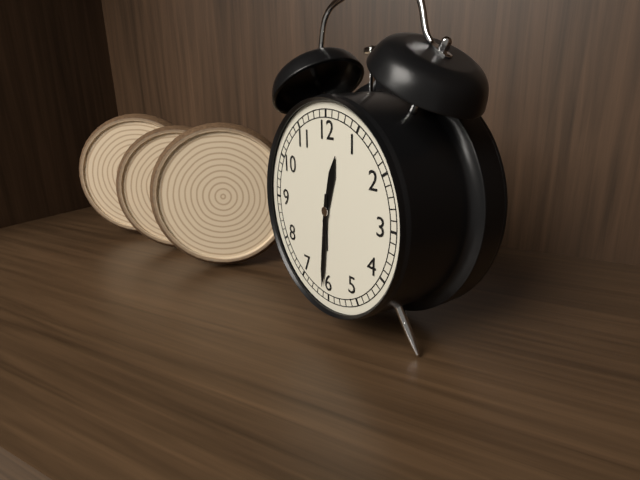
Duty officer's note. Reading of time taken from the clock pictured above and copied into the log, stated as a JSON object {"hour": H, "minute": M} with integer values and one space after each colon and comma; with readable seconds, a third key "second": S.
{"hour": 12, "minute": 31}
